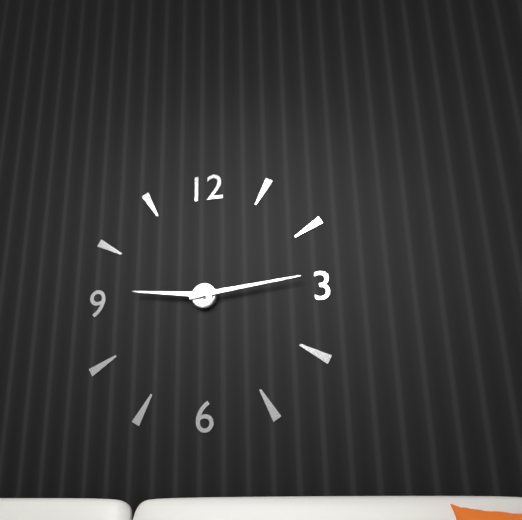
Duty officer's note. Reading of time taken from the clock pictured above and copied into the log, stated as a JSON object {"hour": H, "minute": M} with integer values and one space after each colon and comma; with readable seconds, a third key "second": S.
{"hour": 9, "minute": 14}
